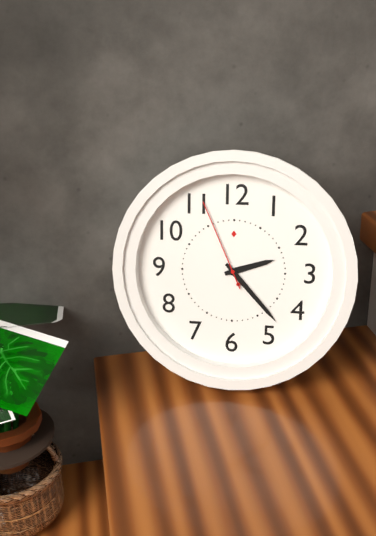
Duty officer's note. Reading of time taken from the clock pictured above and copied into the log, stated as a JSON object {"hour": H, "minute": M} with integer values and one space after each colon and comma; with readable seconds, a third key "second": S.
{"hour": 2, "minute": 23, "second": 56}
